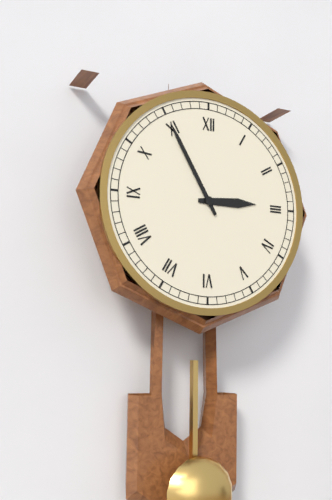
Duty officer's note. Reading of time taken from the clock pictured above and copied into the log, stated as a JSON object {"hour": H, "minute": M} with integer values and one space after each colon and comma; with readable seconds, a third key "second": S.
{"hour": 2, "minute": 55}
